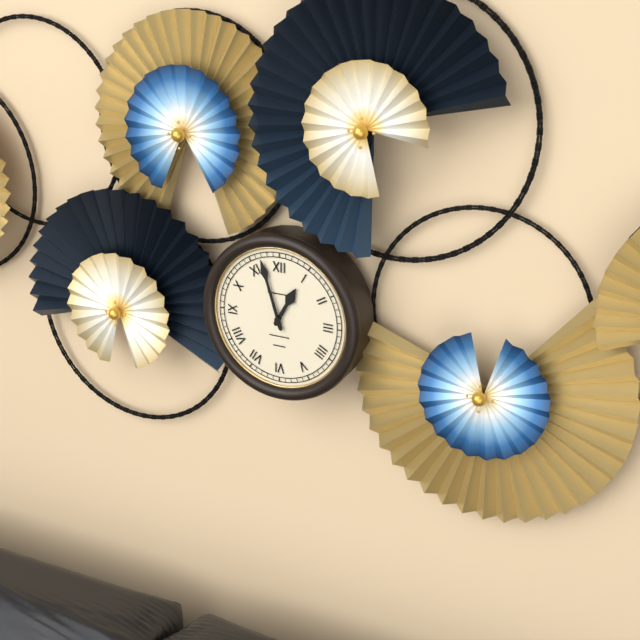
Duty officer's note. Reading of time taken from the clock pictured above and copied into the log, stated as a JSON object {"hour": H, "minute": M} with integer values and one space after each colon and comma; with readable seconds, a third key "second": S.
{"hour": 12, "minute": 57}
